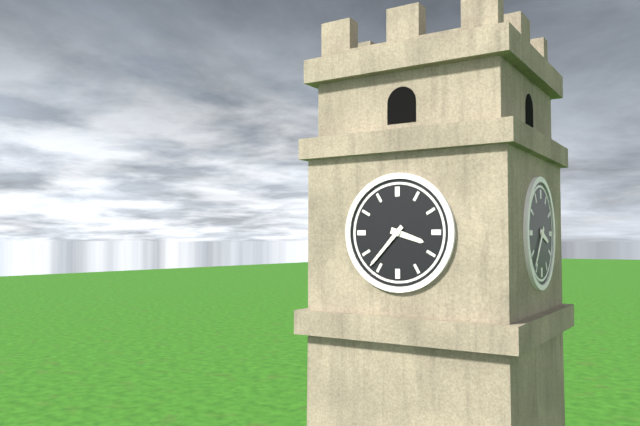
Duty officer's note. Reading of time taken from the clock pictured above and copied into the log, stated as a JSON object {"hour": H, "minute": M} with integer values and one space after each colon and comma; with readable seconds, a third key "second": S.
{"hour": 3, "minute": 37}
